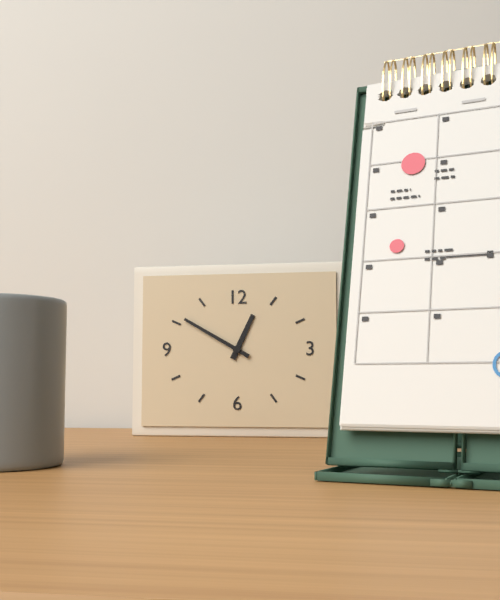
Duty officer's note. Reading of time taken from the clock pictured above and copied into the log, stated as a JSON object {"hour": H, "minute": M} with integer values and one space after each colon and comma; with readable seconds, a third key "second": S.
{"hour": 12, "minute": 50}
